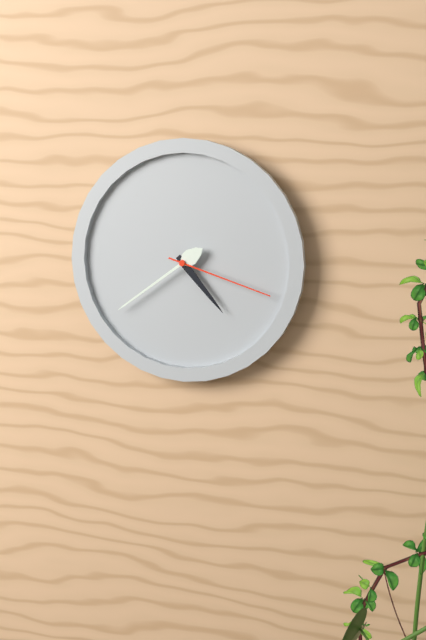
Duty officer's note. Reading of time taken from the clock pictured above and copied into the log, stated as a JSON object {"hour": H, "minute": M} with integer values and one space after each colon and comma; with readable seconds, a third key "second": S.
{"hour": 4, "minute": 39, "second": 18}
